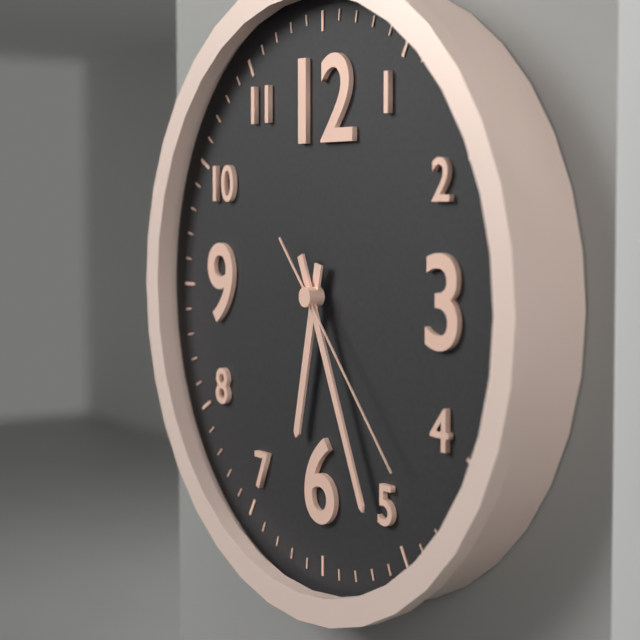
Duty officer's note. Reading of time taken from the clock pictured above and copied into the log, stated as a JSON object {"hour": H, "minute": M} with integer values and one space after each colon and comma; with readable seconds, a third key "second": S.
{"hour": 6, "minute": 26, "second": 23}
